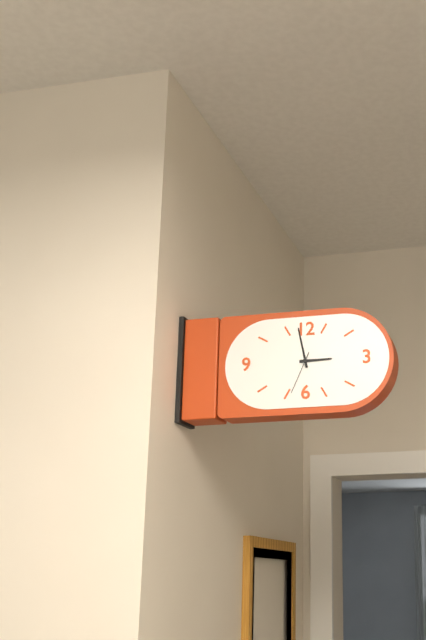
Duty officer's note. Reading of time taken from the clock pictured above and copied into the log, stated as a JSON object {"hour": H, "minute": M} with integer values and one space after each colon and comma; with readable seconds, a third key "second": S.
{"hour": 2, "minute": 58}
